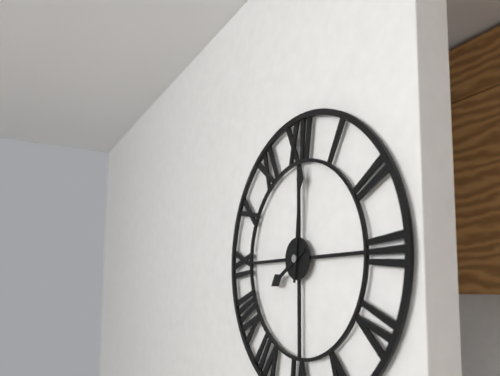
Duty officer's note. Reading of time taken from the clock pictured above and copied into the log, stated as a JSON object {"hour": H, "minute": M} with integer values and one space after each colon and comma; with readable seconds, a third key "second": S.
{"hour": 8, "minute": 1}
